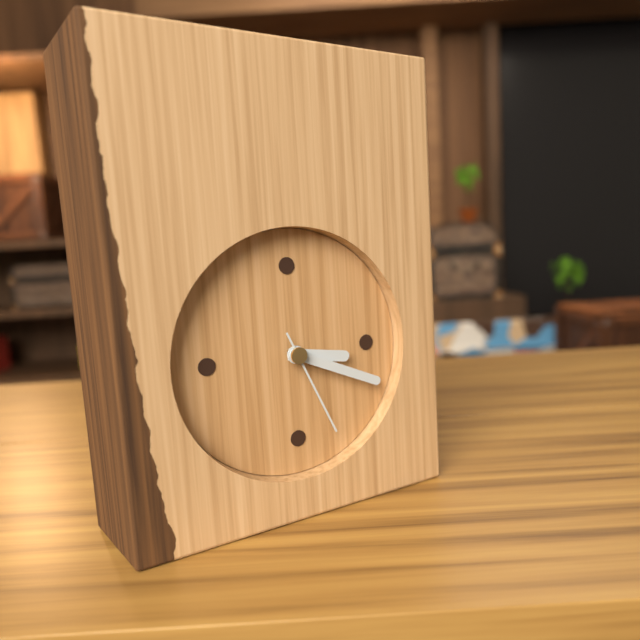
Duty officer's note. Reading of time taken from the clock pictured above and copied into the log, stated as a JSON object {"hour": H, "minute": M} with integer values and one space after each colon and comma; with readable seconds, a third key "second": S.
{"hour": 3, "minute": 19, "second": 26}
